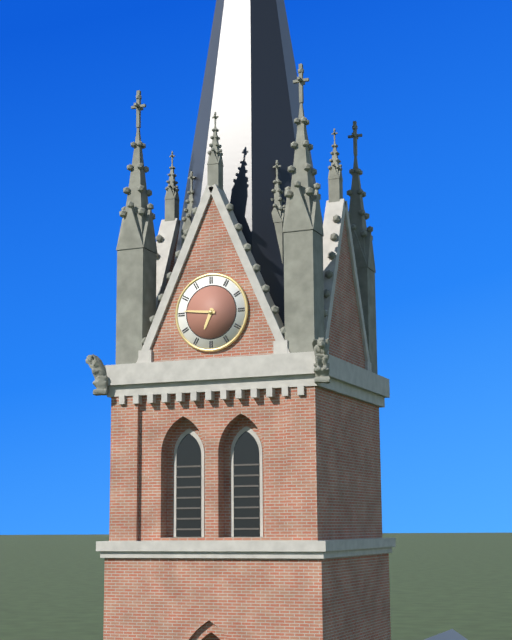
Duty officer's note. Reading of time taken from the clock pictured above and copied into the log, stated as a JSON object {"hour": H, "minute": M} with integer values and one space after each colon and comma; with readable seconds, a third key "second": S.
{"hour": 6, "minute": 46}
